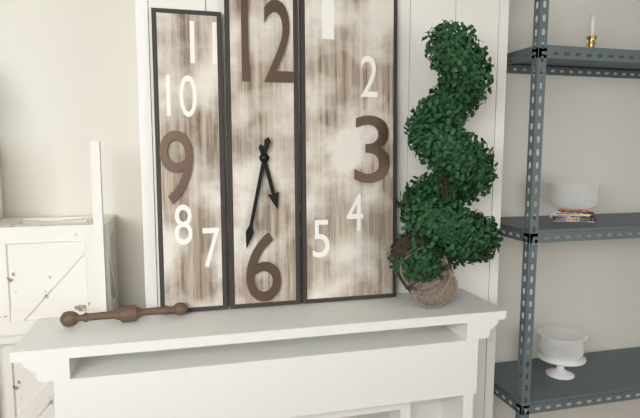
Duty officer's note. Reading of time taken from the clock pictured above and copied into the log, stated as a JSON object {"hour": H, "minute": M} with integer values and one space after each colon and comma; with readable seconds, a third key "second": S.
{"hour": 5, "minute": 32}
